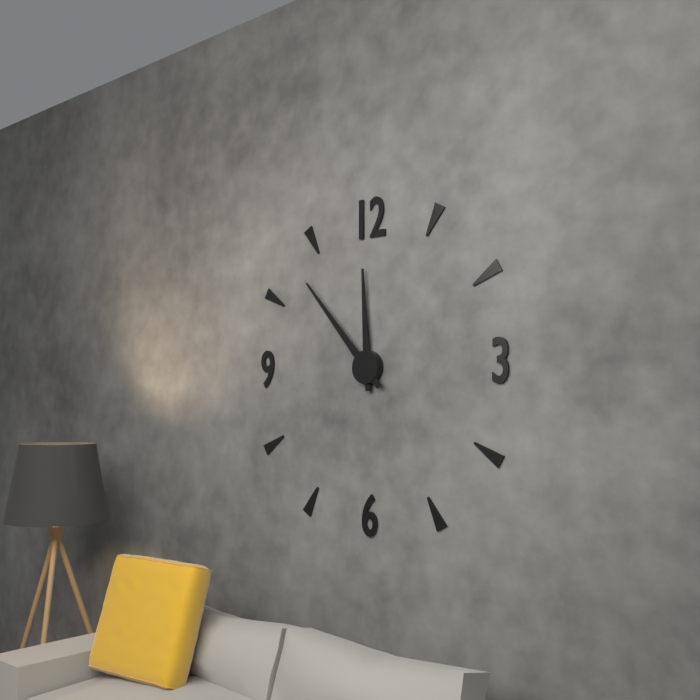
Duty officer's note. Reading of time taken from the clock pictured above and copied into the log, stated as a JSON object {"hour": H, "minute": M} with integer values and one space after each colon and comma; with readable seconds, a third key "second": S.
{"hour": 11, "minute": 53}
